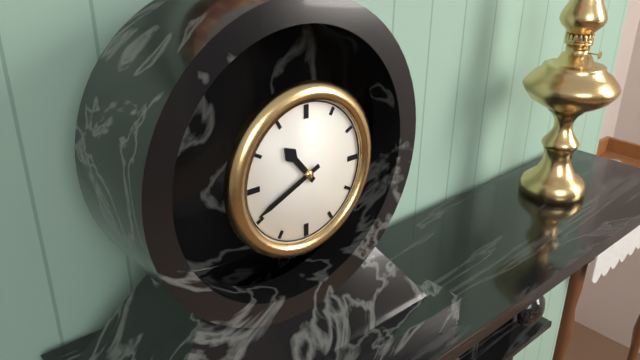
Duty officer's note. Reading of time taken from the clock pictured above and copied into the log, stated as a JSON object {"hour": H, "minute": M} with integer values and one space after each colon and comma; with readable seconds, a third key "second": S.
{"hour": 10, "minute": 41}
